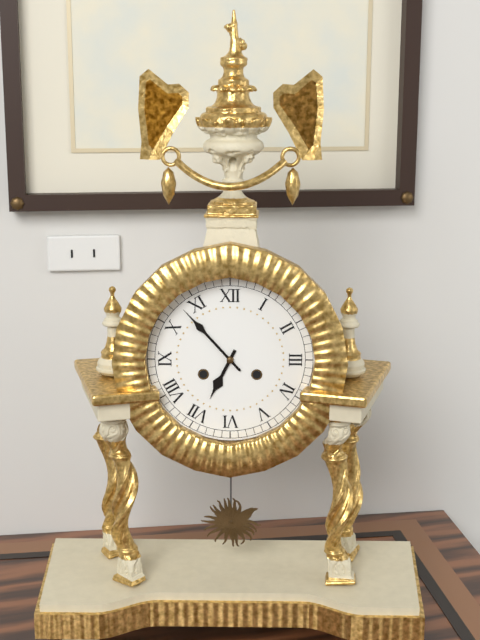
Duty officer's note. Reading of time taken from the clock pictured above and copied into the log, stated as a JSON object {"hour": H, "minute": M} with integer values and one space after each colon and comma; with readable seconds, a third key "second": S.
{"hour": 6, "minute": 53}
